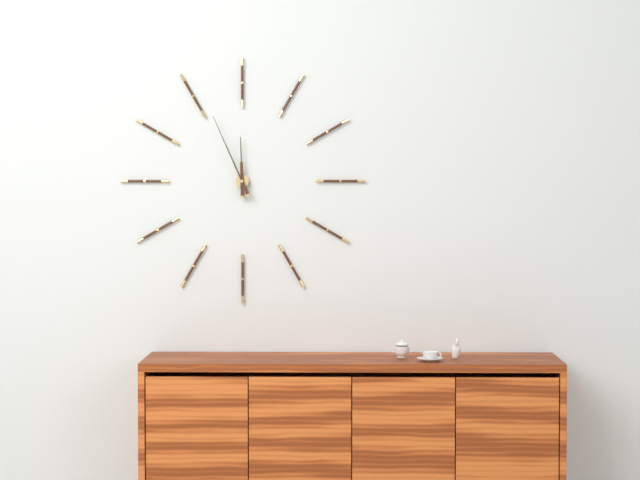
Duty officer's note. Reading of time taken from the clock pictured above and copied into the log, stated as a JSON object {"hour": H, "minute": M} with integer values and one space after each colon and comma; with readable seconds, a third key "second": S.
{"hour": 11, "minute": 56}
